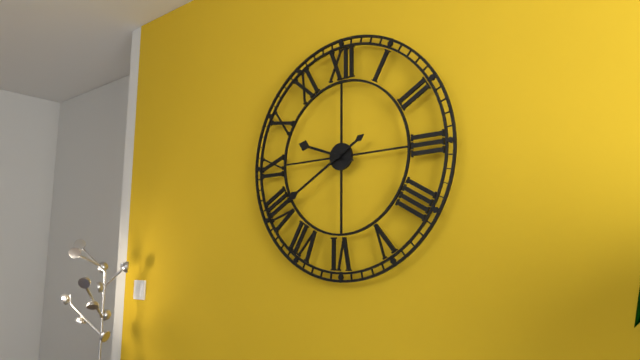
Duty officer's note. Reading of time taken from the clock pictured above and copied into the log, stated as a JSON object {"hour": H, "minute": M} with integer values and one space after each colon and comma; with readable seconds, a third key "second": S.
{"hour": 9, "minute": 40}
